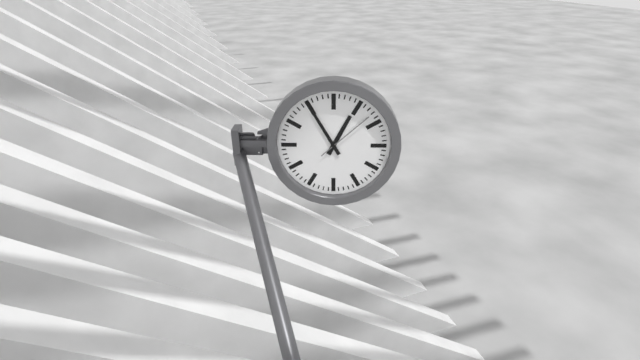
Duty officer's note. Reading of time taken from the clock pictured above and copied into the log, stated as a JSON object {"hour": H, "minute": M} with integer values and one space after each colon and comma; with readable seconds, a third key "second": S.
{"hour": 12, "minute": 55, "second": 8}
